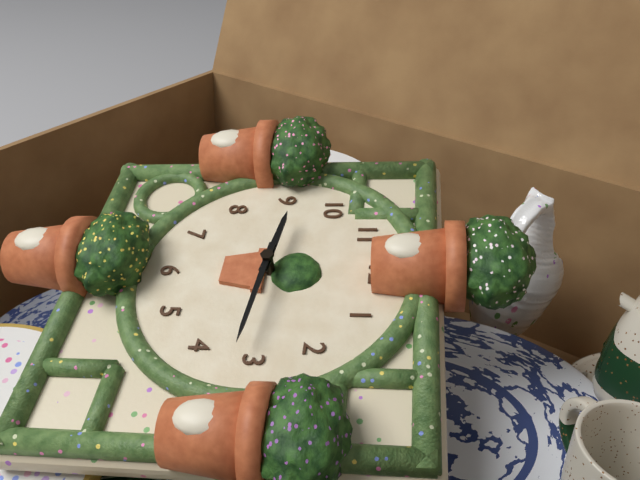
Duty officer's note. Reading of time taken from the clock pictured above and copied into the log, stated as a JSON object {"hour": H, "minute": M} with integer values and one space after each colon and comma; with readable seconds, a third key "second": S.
{"hour": 9, "minute": 16}
